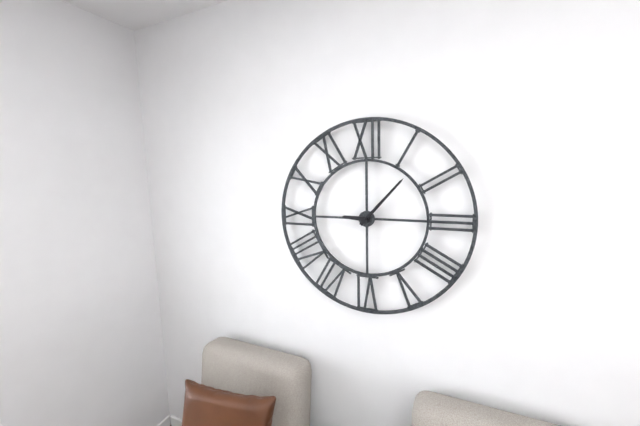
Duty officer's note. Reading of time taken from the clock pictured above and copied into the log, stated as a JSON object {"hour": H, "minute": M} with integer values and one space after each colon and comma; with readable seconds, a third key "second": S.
{"hour": 9, "minute": 7}
